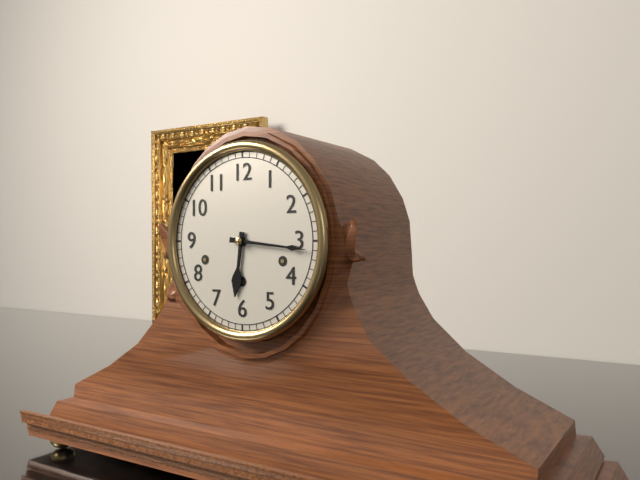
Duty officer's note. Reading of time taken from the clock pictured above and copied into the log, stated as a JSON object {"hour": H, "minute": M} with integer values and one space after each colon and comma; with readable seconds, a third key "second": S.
{"hour": 6, "minute": 16}
